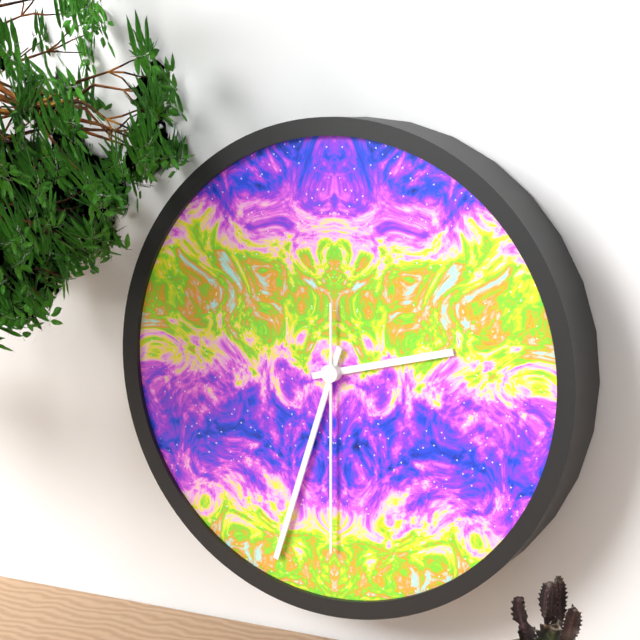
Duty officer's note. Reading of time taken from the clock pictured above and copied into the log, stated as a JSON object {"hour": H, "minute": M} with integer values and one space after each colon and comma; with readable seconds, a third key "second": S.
{"hour": 2, "minute": 33, "second": 30}
